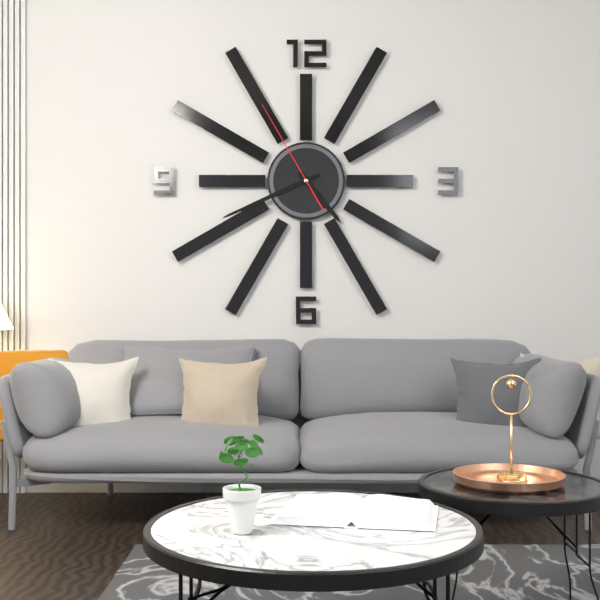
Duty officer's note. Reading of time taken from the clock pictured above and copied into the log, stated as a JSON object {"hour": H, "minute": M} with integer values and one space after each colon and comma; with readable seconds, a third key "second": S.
{"hour": 4, "minute": 41, "second": 55}
